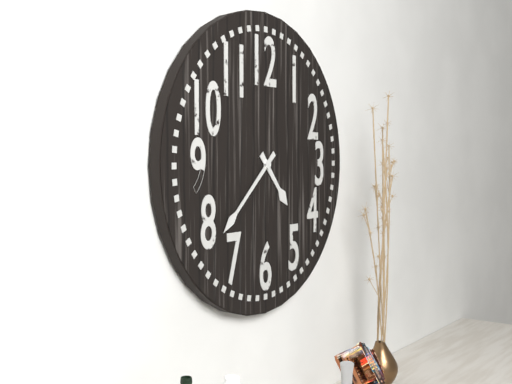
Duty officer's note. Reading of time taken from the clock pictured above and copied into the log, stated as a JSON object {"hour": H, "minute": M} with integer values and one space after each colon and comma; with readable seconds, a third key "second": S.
{"hour": 4, "minute": 38}
